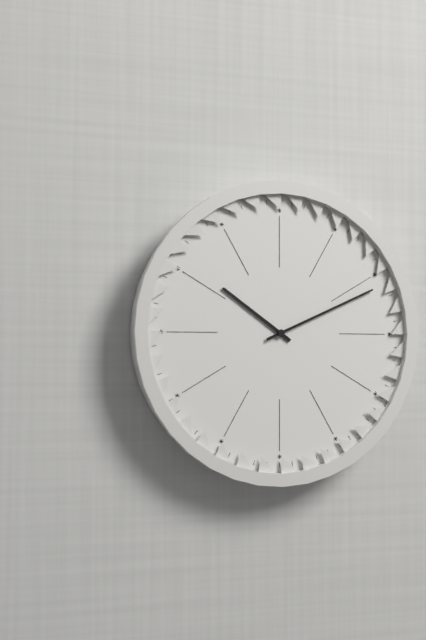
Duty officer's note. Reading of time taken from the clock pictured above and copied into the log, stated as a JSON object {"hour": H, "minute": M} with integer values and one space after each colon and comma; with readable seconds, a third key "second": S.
{"hour": 10, "minute": 11}
